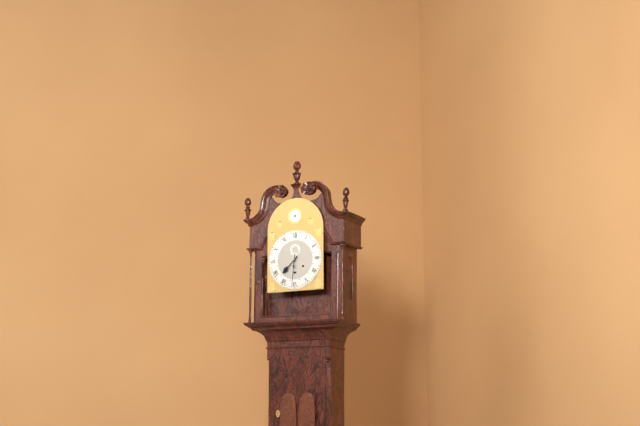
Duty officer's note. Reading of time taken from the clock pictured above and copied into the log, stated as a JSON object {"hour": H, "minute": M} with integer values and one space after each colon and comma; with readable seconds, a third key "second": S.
{"hour": 7, "minute": 31}
